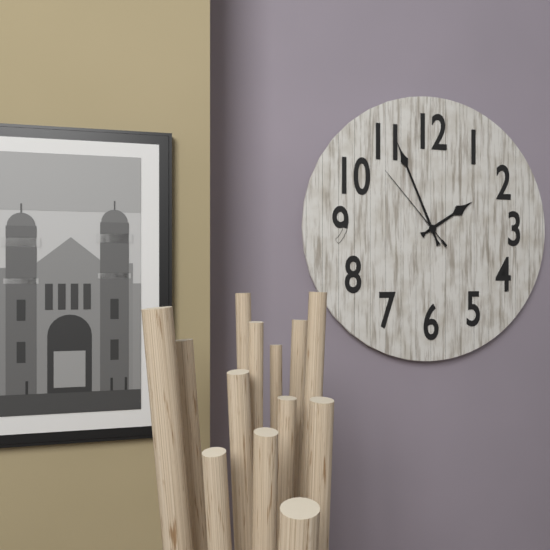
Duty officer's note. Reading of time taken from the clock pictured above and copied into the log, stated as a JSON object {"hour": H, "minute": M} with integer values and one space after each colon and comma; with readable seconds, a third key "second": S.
{"hour": 1, "minute": 56, "second": 53}
